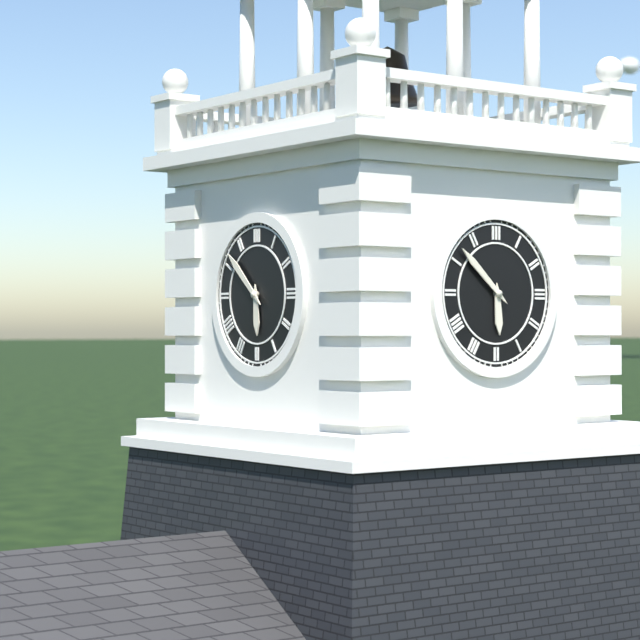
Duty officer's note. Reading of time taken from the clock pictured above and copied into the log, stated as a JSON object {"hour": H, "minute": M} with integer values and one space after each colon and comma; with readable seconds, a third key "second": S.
{"hour": 5, "minute": 52}
